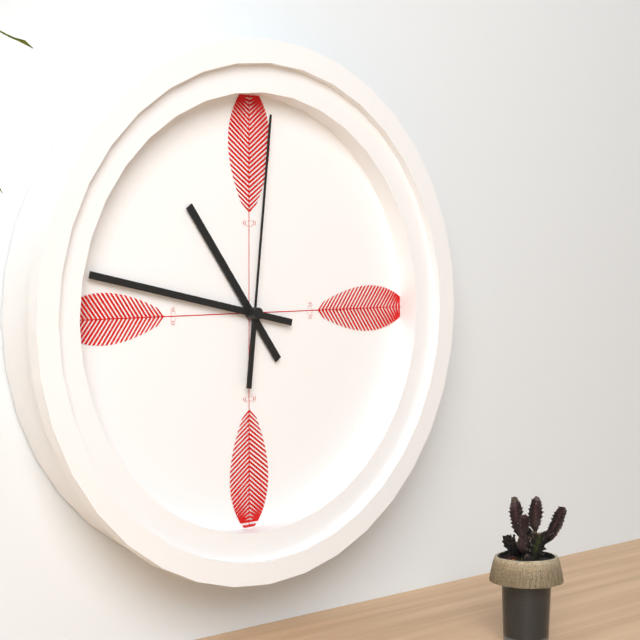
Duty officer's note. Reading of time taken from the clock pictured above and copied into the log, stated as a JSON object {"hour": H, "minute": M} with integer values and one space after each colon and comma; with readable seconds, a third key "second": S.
{"hour": 10, "minute": 47, "second": 1}
